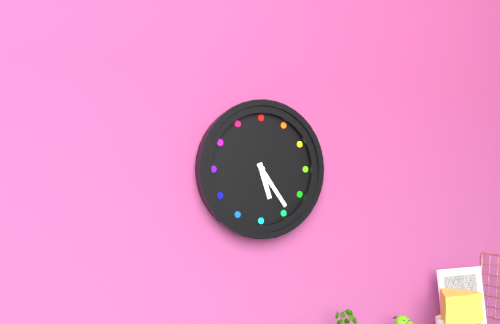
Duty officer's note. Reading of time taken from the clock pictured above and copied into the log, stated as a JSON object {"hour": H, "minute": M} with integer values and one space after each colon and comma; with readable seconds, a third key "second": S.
{"hour": 5, "minute": 24}
